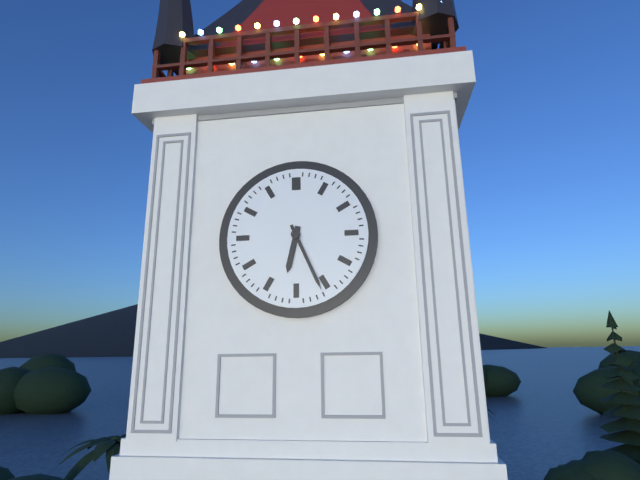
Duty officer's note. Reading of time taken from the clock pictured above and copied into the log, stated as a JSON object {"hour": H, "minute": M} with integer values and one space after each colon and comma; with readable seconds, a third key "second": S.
{"hour": 6, "minute": 26}
